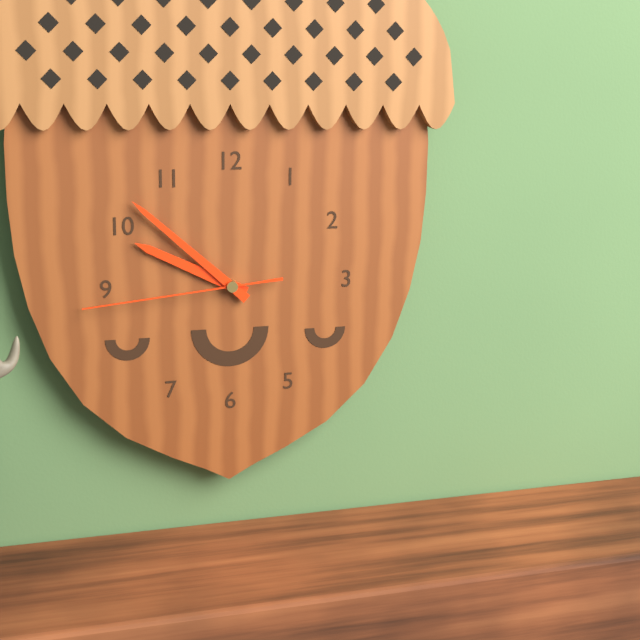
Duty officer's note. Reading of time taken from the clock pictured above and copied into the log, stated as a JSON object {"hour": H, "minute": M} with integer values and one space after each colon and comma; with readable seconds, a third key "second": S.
{"hour": 9, "minute": 52, "second": 44}
